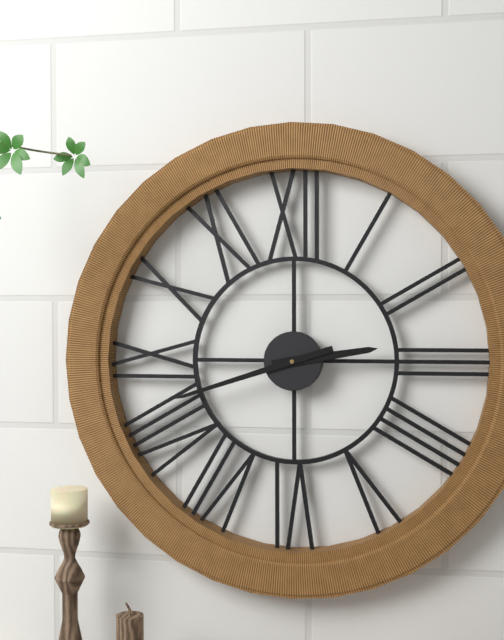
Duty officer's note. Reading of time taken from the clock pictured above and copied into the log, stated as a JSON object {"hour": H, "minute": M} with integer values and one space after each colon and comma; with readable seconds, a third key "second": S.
{"hour": 2, "minute": 42}
